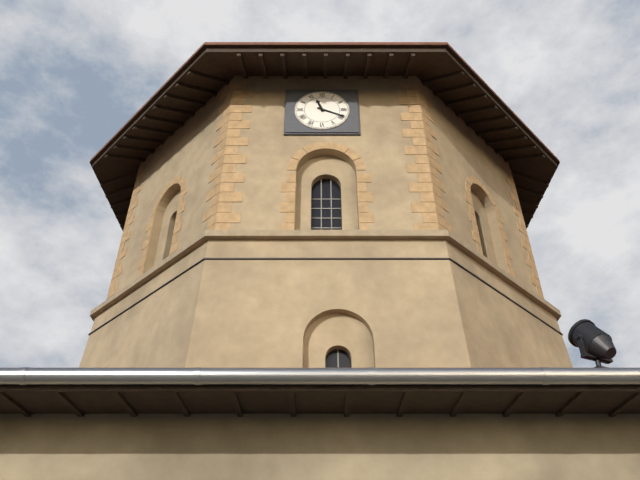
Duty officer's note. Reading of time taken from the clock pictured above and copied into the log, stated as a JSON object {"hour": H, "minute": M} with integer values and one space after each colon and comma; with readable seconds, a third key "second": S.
{"hour": 11, "minute": 19}
